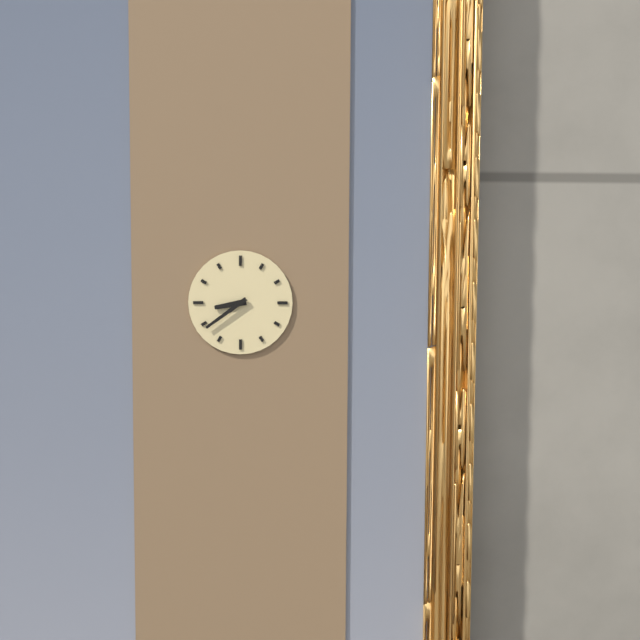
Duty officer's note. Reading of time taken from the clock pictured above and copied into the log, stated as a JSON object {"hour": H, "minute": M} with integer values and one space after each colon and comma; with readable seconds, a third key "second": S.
{"hour": 8, "minute": 39}
